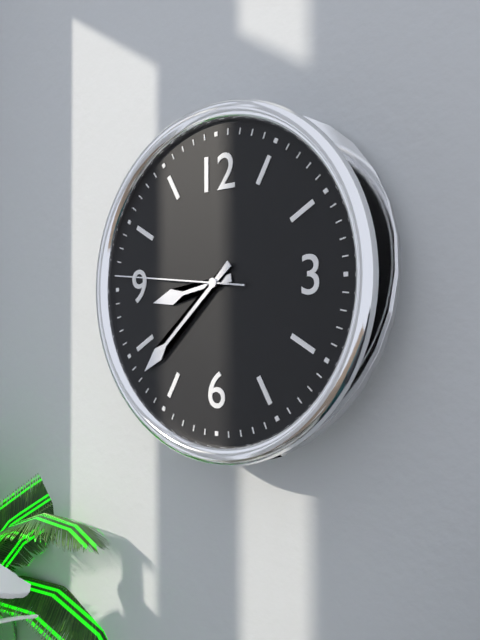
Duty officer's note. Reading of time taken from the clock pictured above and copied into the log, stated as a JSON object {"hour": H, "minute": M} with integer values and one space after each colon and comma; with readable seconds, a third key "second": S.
{"hour": 8, "minute": 38, "second": 46}
